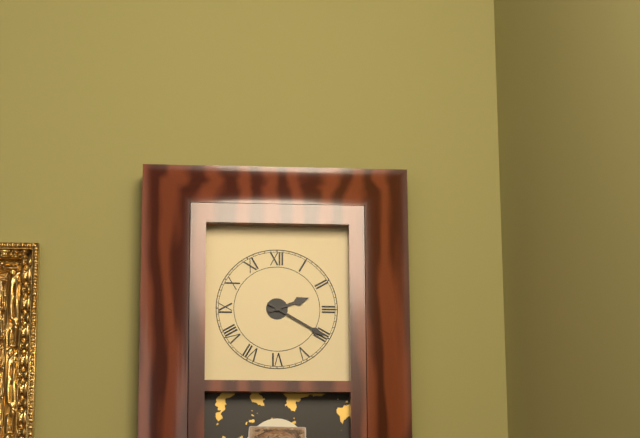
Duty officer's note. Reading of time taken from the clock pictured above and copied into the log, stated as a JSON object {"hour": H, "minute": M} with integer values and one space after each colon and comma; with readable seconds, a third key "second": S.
{"hour": 2, "minute": 20}
